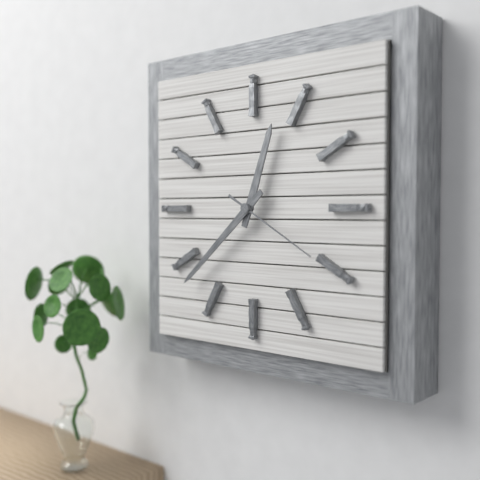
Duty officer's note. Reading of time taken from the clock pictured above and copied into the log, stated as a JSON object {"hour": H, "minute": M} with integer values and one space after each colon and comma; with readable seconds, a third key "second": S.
{"hour": 12, "minute": 38, "second": 20}
